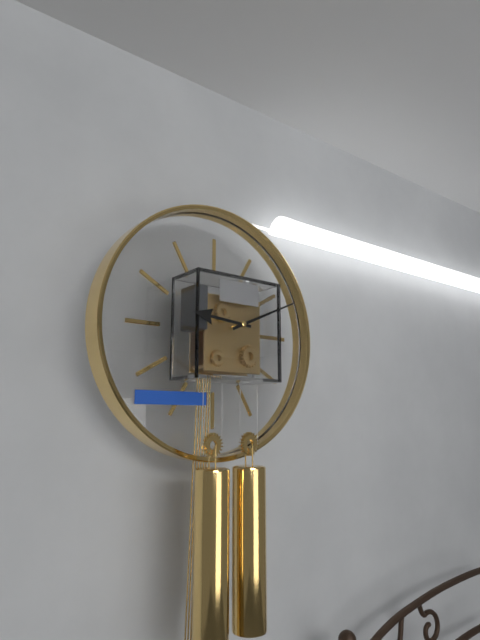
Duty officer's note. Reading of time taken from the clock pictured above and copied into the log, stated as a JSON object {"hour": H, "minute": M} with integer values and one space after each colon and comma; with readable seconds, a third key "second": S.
{"hour": 9, "minute": 11}
